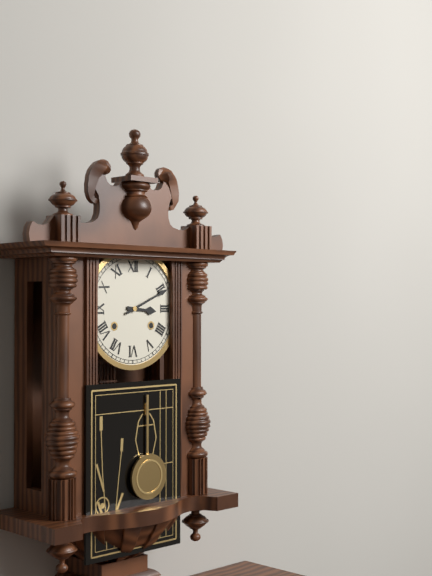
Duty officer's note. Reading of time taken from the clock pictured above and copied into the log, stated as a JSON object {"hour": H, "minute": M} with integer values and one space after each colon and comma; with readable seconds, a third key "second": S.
{"hour": 3, "minute": 11}
